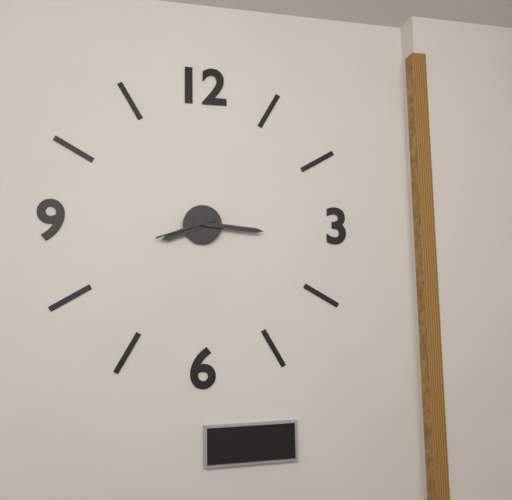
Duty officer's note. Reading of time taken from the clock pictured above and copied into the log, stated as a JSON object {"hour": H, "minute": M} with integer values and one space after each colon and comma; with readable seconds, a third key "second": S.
{"hour": 8, "minute": 16, "second": 42}
